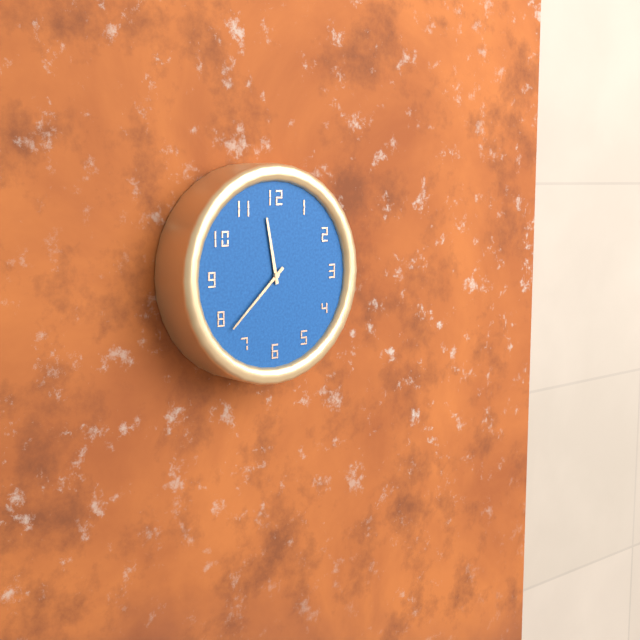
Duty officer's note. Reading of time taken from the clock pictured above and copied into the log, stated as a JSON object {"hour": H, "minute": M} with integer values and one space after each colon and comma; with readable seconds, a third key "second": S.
{"hour": 11, "minute": 38}
